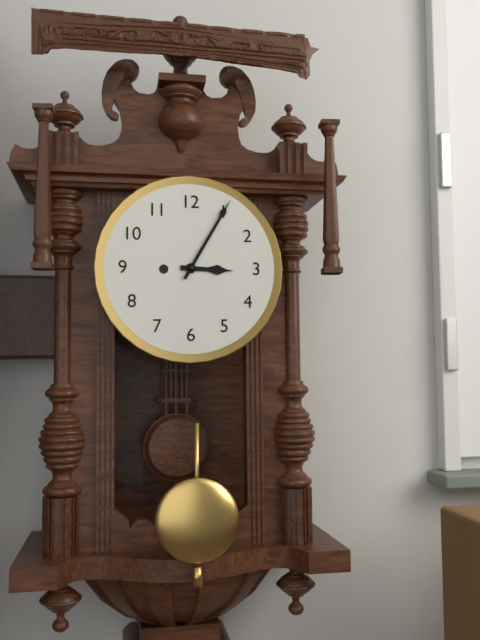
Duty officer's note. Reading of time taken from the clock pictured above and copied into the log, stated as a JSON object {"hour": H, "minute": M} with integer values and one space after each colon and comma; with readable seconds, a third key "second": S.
{"hour": 3, "minute": 5}
